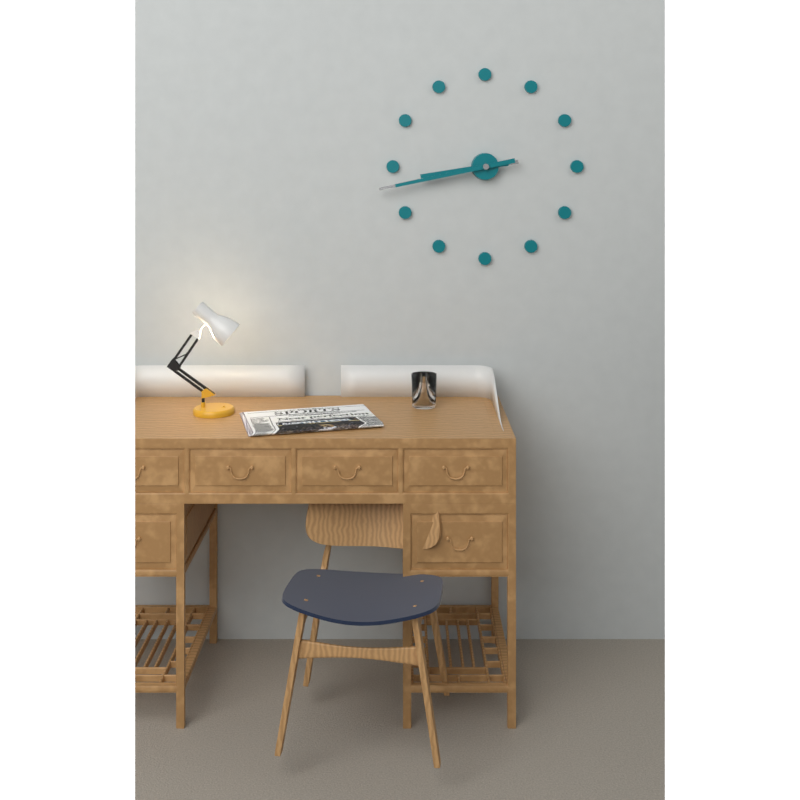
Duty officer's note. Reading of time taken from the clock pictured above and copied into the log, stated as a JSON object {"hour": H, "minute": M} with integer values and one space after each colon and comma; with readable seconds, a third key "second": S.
{"hour": 8, "minute": 43}
